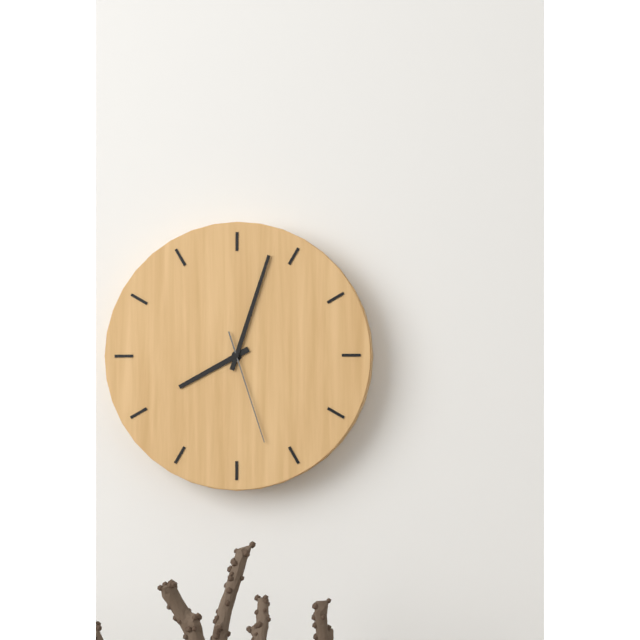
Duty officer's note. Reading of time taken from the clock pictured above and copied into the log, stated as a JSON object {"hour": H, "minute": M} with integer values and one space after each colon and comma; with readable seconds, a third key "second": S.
{"hour": 8, "minute": 3, "second": 27}
